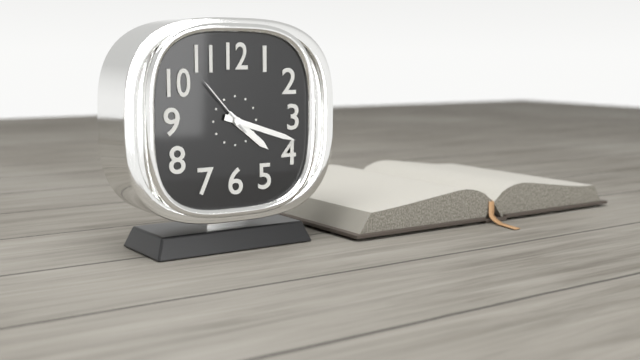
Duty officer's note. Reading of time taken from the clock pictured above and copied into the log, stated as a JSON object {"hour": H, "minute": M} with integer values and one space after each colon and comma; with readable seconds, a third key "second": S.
{"hour": 4, "minute": 18, "second": 53}
